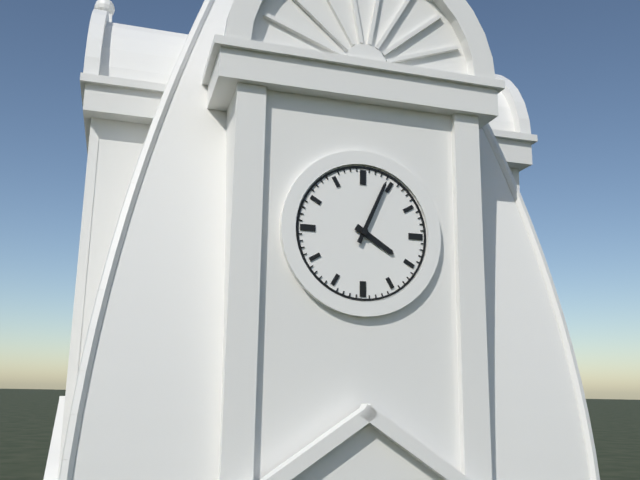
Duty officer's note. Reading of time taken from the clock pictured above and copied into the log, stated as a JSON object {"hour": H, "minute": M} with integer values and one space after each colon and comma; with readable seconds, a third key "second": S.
{"hour": 4, "minute": 4}
